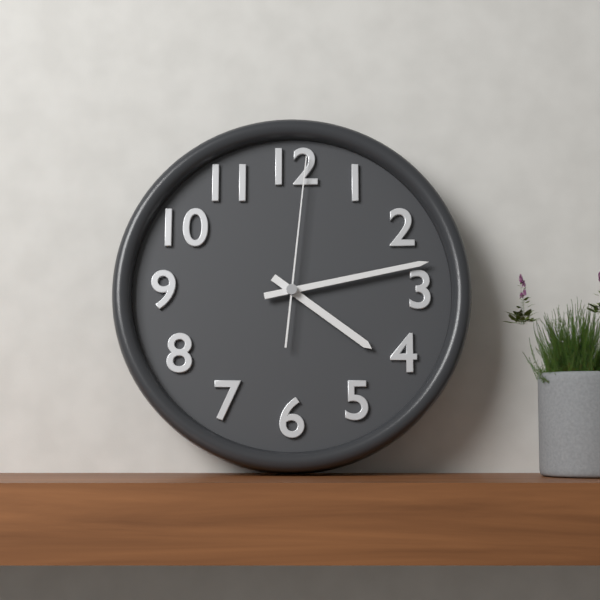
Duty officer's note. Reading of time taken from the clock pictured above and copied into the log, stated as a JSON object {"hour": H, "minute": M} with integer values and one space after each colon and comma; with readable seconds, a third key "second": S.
{"hour": 4, "minute": 13, "second": 1}
